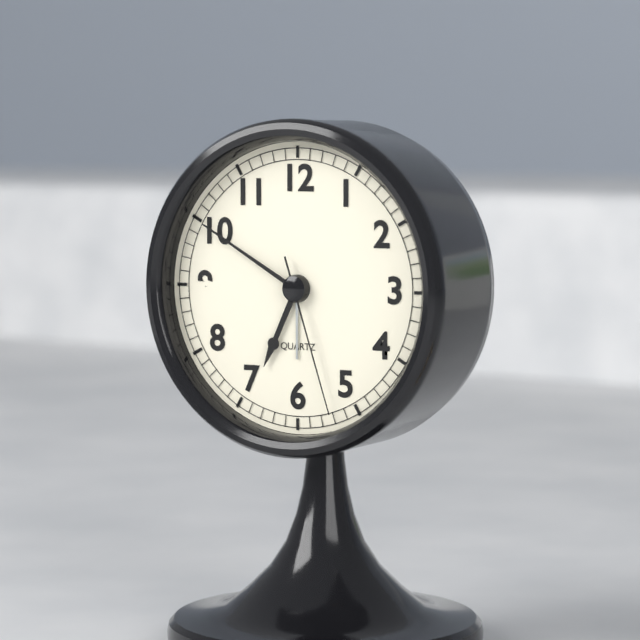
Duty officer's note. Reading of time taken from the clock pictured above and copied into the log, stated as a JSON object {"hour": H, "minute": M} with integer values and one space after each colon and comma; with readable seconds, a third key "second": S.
{"hour": 6, "minute": 50, "second": 27}
